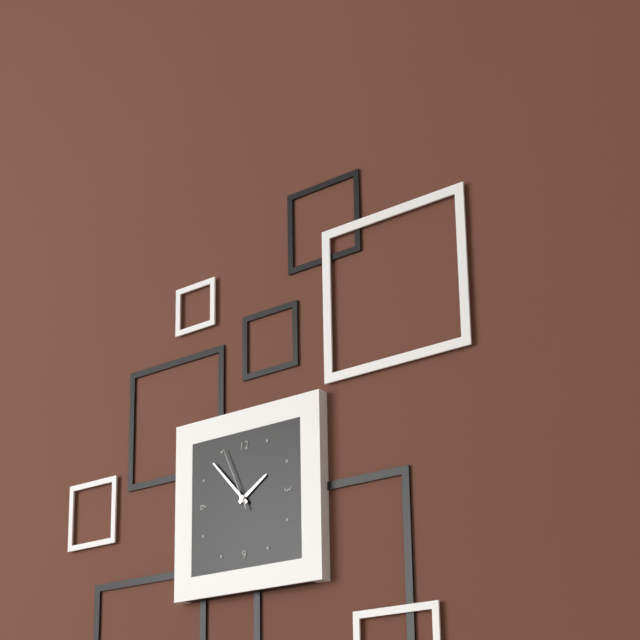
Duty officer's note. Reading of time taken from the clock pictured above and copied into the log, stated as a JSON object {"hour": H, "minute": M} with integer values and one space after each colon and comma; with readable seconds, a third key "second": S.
{"hour": 1, "minute": 53, "second": 56}
